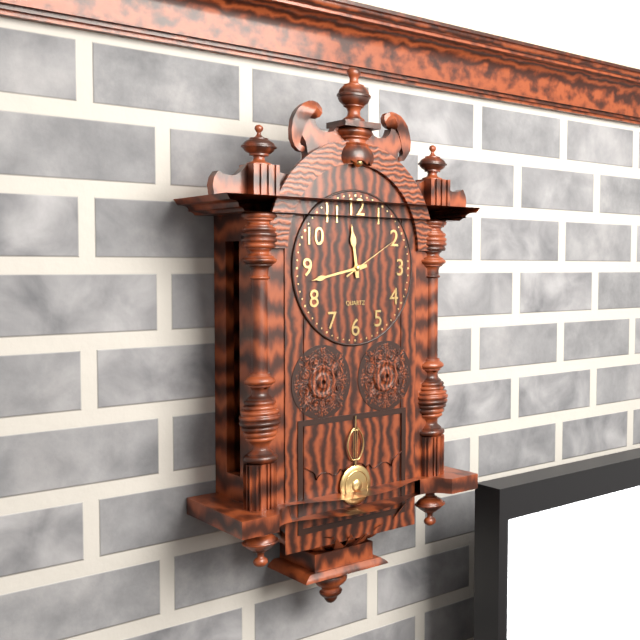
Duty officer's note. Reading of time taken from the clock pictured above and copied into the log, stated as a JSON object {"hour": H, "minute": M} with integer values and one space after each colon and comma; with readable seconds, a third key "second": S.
{"hour": 11, "minute": 43, "second": 10}
